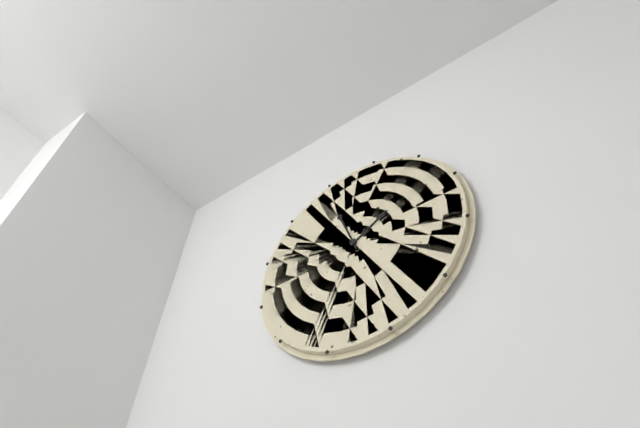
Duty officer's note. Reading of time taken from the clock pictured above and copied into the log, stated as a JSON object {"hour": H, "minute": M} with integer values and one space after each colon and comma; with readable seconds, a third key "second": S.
{"hour": 1, "minute": 57}
